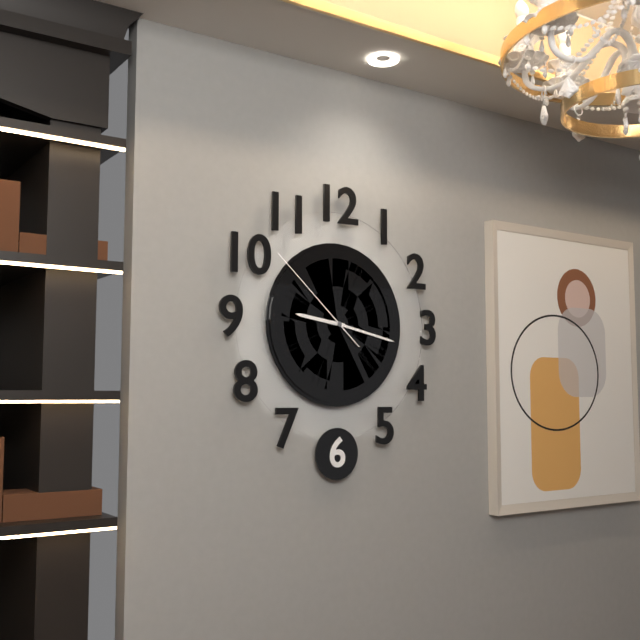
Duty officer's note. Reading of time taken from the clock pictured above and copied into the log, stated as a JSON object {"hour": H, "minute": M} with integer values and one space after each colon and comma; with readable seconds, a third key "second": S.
{"hour": 9, "minute": 17, "second": 52}
